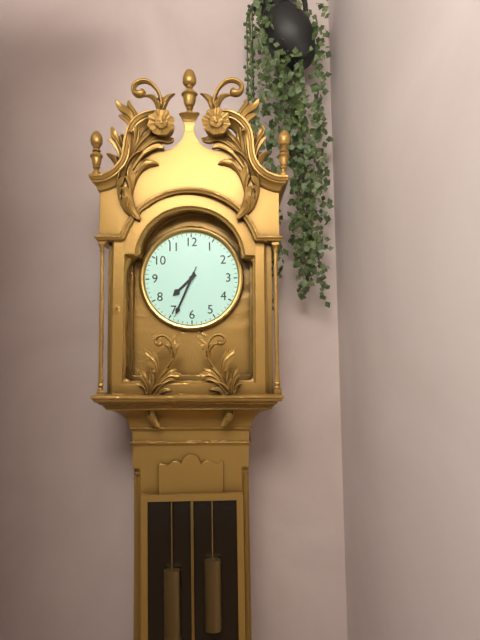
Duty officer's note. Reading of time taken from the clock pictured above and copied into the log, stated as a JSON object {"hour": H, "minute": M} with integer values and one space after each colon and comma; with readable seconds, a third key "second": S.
{"hour": 7, "minute": 34, "second": 34}
